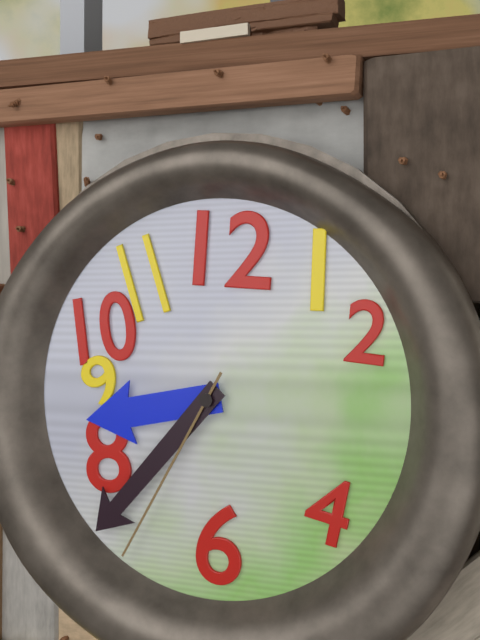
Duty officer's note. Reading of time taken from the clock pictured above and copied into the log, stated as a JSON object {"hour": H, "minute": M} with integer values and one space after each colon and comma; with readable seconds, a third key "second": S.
{"hour": 8, "minute": 37, "second": 35}
